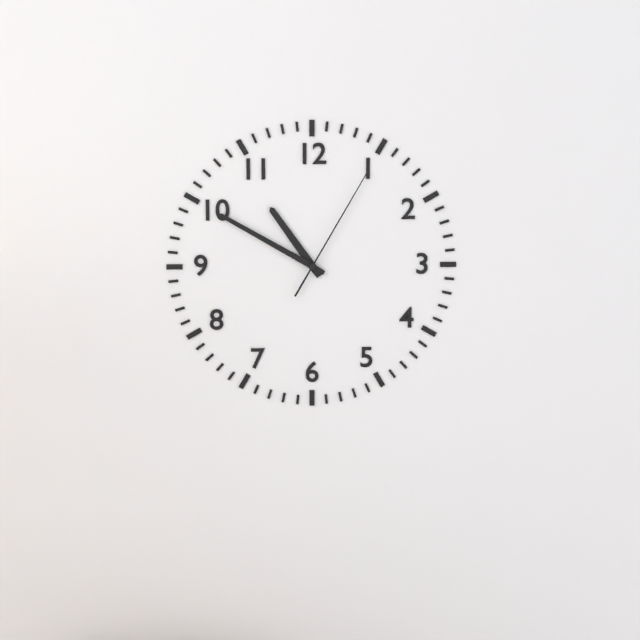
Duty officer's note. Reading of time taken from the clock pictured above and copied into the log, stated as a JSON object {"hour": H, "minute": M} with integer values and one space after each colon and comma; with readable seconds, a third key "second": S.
{"hour": 10, "minute": 50, "second": 5}
